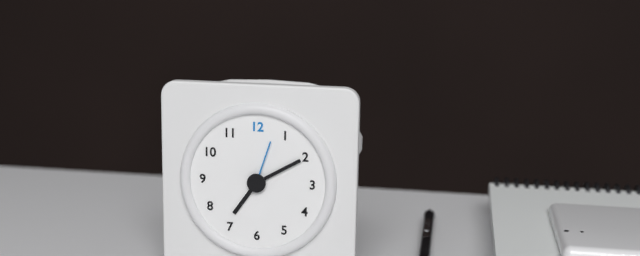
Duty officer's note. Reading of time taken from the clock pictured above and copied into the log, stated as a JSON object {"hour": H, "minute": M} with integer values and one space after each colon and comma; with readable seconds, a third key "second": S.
{"hour": 7, "minute": 10, "second": 3}
